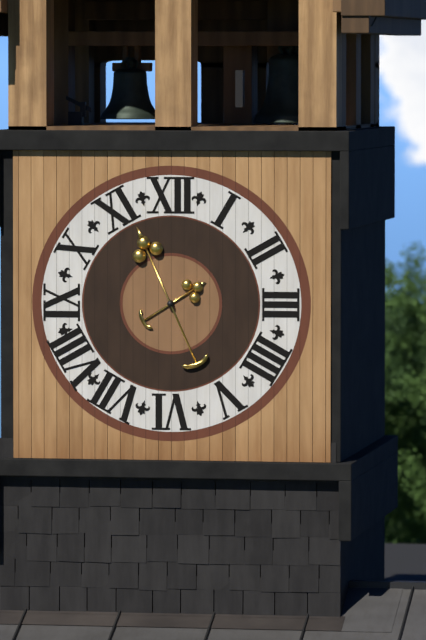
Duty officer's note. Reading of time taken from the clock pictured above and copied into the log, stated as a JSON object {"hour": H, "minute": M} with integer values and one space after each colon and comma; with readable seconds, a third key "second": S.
{"hour": 1, "minute": 56}
